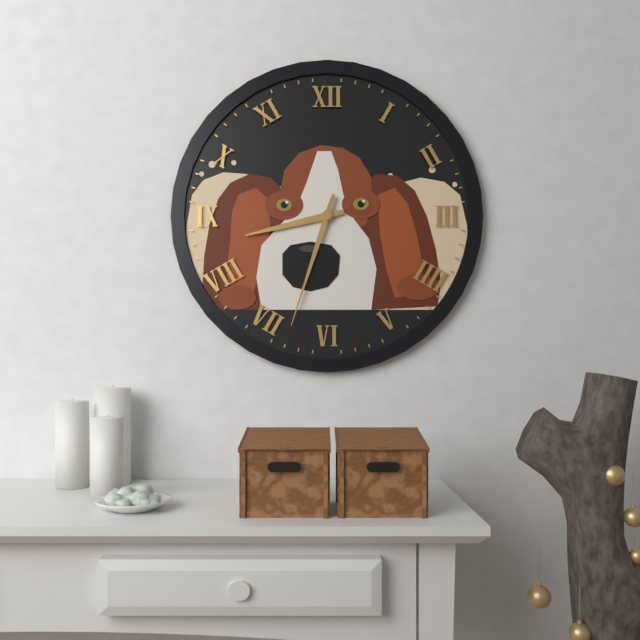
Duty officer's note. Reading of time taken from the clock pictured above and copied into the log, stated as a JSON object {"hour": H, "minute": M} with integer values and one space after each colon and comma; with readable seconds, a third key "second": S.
{"hour": 8, "minute": 33}
